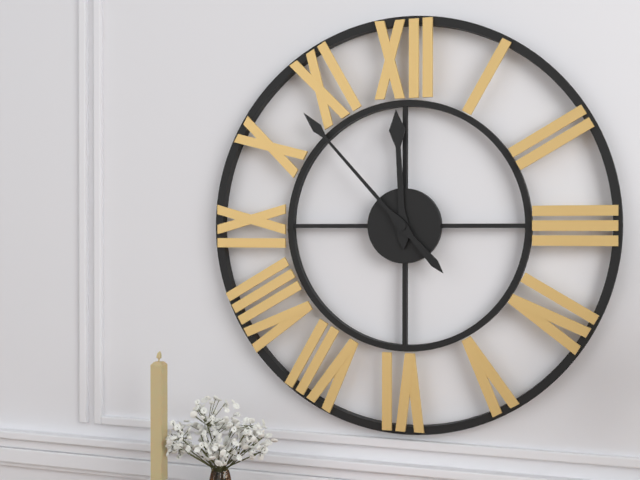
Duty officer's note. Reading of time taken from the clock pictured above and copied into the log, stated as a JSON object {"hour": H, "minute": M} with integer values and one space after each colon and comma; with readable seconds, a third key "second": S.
{"hour": 11, "minute": 53}
